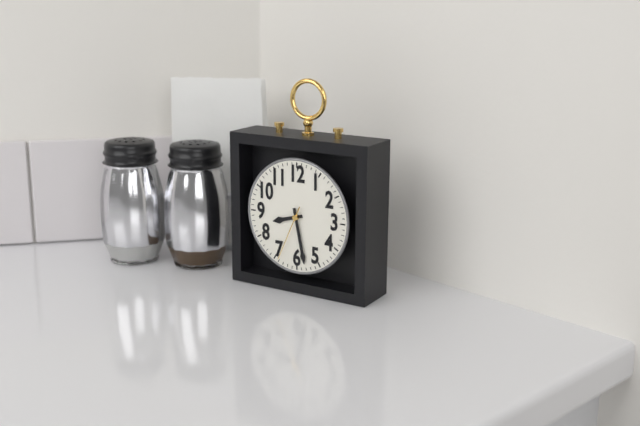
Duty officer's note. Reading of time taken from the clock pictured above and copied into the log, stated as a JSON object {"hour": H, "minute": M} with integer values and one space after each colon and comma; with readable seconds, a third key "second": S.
{"hour": 8, "minute": 28, "second": 34}
